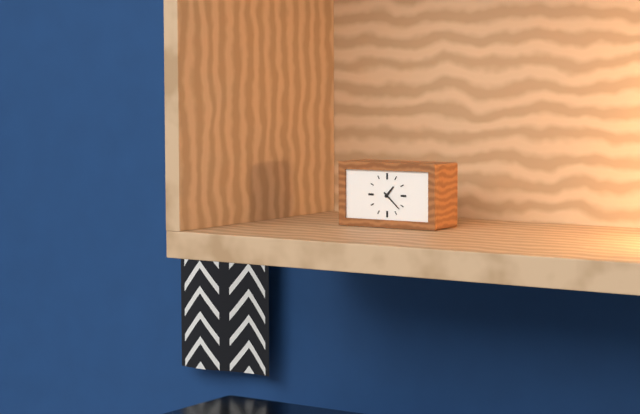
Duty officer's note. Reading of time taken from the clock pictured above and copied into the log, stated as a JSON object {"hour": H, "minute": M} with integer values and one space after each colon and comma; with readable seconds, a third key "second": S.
{"hour": 1, "minute": 22}
